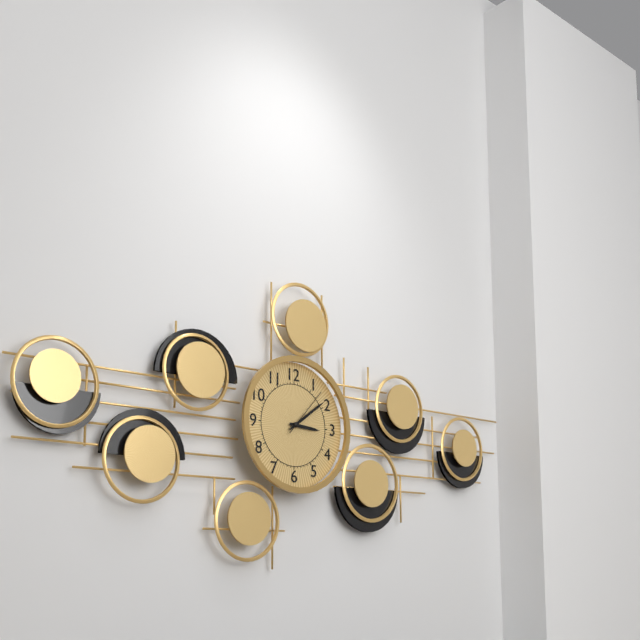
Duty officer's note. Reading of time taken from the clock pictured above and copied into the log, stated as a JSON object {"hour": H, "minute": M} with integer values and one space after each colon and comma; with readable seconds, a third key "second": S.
{"hour": 3, "minute": 9, "second": 7}
